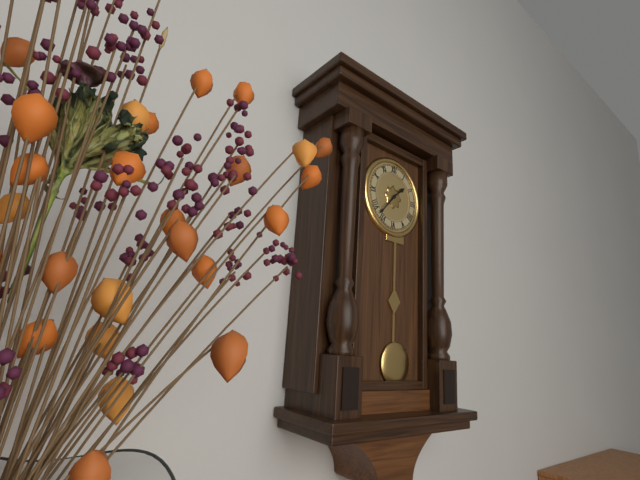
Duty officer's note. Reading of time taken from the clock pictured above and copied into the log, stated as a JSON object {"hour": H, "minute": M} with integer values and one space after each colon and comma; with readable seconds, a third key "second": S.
{"hour": 1, "minute": 37}
